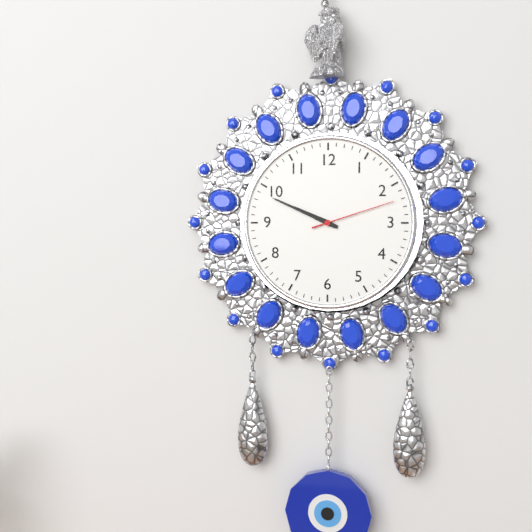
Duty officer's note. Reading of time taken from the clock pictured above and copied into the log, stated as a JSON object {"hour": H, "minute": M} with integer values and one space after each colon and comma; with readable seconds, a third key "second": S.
{"hour": 9, "minute": 49, "second": 12}
